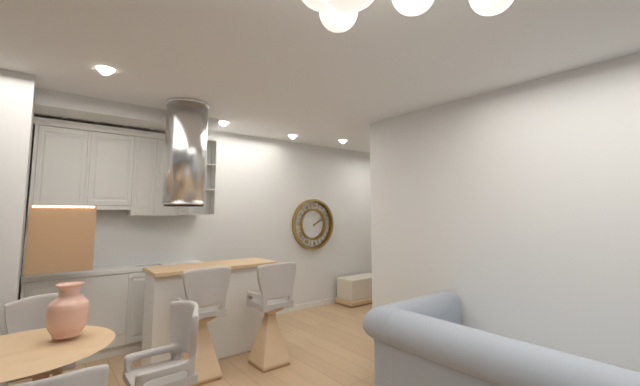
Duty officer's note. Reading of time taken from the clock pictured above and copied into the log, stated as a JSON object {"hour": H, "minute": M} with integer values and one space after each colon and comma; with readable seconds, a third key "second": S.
{"hour": 2, "minute": 8}
